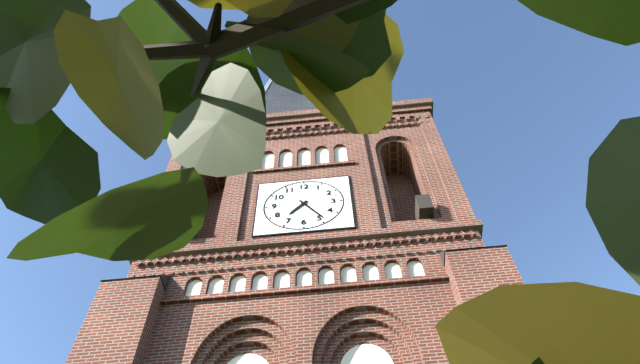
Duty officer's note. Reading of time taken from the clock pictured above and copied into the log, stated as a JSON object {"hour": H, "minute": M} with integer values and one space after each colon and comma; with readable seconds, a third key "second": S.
{"hour": 7, "minute": 24}
